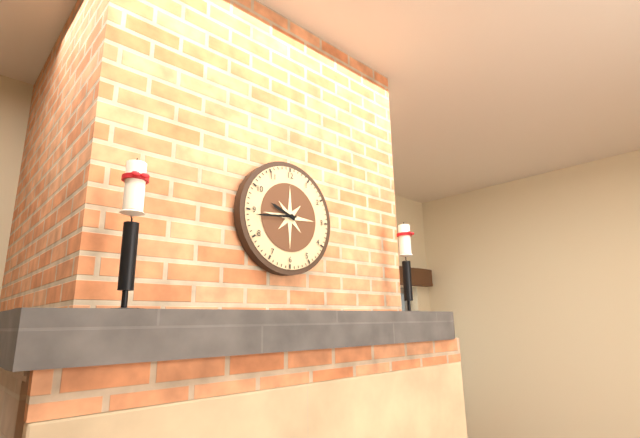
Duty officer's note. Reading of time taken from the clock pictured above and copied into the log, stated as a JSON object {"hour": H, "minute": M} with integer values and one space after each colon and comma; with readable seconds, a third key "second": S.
{"hour": 9, "minute": 44}
